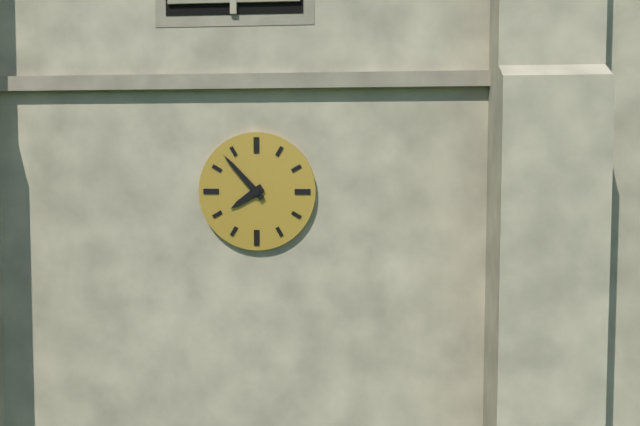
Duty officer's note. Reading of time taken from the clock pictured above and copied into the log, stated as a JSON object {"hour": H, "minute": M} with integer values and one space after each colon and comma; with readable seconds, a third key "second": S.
{"hour": 7, "minute": 53}
